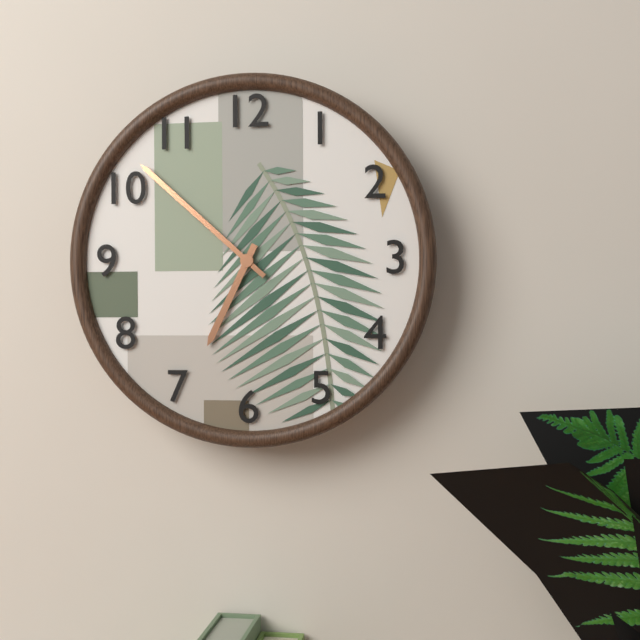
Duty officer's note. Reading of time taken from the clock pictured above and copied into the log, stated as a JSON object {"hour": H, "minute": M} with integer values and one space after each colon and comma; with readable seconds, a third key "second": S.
{"hour": 6, "minute": 52}
